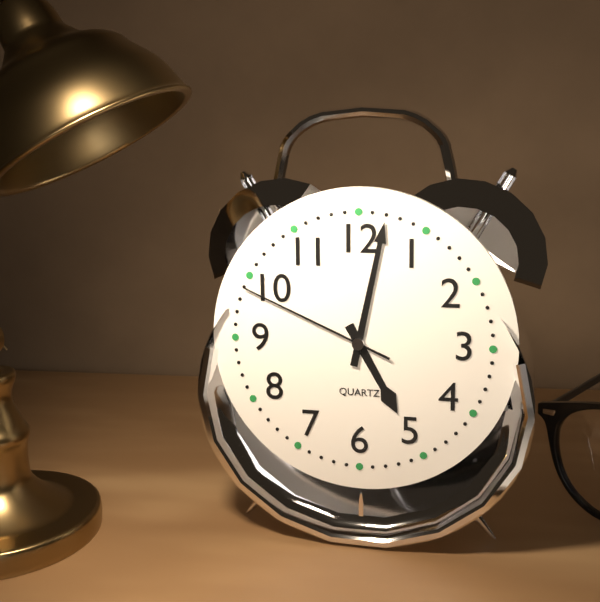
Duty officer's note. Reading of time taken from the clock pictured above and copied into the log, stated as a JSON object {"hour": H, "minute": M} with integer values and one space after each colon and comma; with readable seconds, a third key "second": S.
{"hour": 5, "minute": 2, "second": 49}
